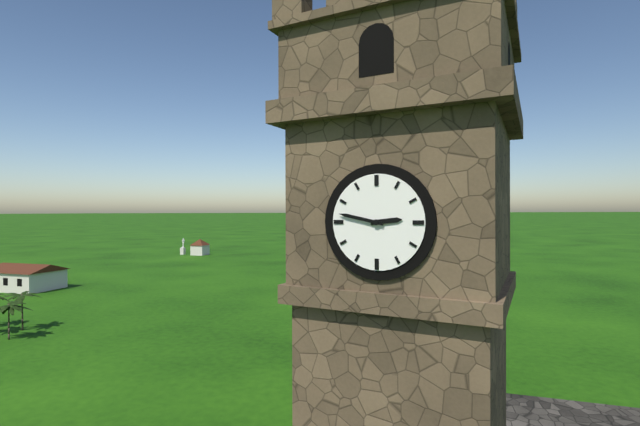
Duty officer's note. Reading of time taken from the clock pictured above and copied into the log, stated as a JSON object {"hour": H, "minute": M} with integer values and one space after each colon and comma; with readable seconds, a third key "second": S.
{"hour": 2, "minute": 47}
